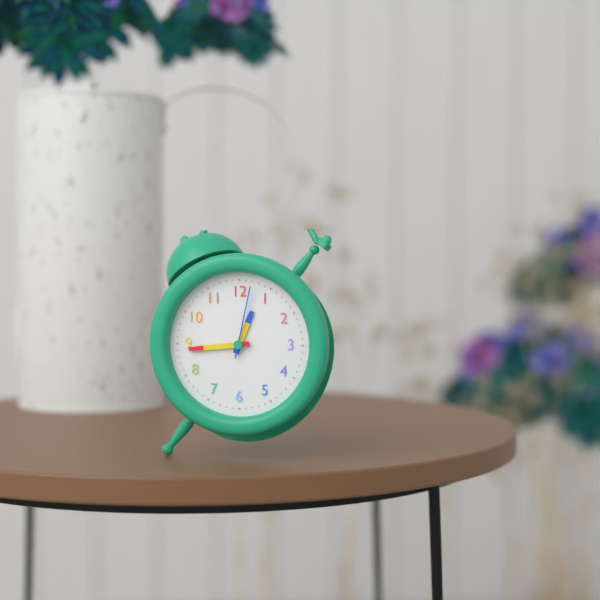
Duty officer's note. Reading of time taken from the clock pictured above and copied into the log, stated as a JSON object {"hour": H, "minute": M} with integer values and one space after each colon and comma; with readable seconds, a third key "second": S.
{"hour": 12, "minute": 44, "second": 2}
